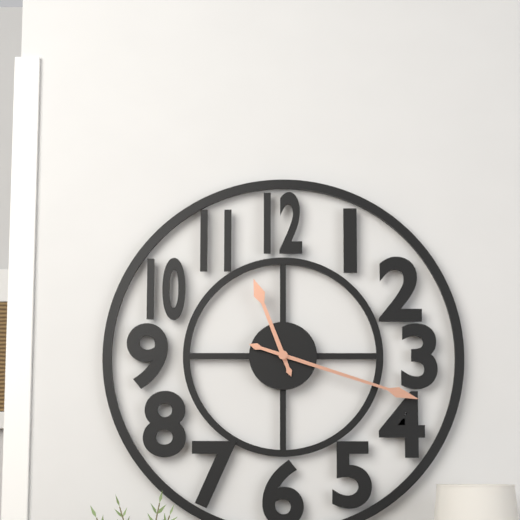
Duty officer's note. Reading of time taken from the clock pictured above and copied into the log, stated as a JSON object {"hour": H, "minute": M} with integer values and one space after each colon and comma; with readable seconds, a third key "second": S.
{"hour": 11, "minute": 18}
